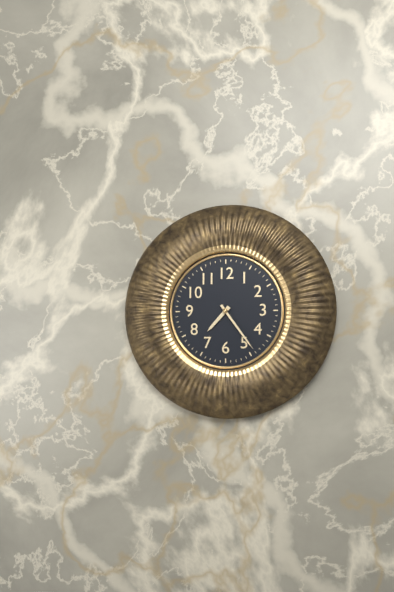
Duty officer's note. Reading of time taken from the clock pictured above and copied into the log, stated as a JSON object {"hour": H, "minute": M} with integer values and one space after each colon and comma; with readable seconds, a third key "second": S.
{"hour": 7, "minute": 24}
